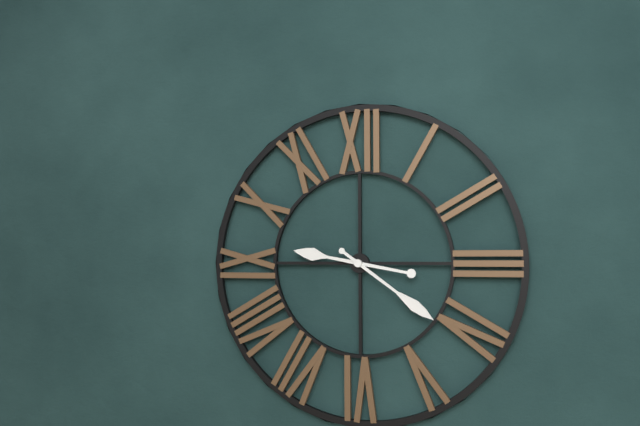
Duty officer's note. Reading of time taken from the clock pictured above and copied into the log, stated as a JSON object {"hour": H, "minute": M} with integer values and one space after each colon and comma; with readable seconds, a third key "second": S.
{"hour": 9, "minute": 21}
